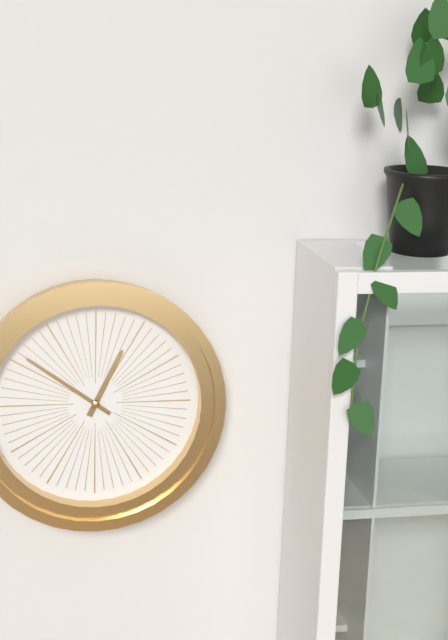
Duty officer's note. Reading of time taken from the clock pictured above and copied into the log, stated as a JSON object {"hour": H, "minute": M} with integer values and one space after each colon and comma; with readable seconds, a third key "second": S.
{"hour": 12, "minute": 51}
